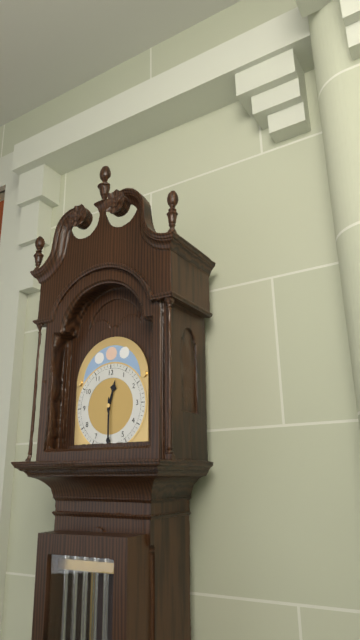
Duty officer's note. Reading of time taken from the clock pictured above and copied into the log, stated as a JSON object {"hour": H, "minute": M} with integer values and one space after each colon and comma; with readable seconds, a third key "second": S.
{"hour": 12, "minute": 30}
